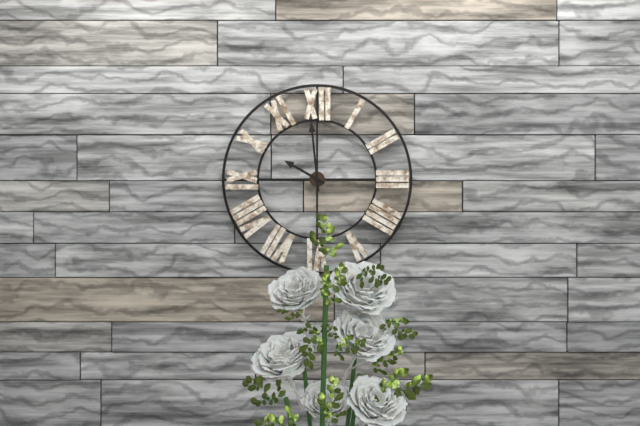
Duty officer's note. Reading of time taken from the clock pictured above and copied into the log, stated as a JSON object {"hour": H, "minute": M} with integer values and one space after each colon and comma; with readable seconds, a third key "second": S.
{"hour": 9, "minute": 59}
